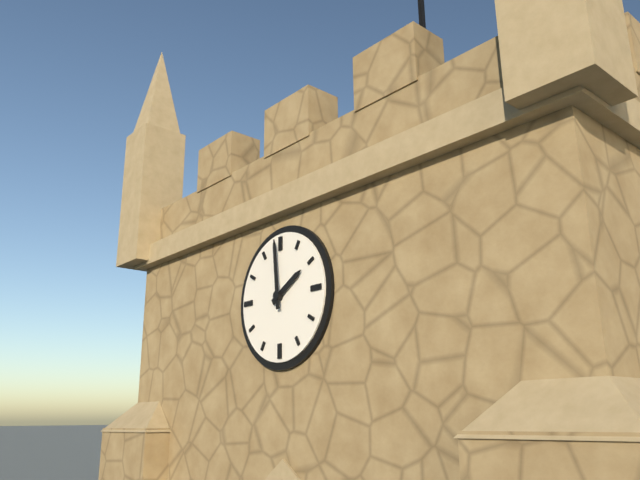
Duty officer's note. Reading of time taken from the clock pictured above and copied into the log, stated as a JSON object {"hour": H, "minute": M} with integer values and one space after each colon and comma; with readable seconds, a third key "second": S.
{"hour": 1, "minute": 59}
